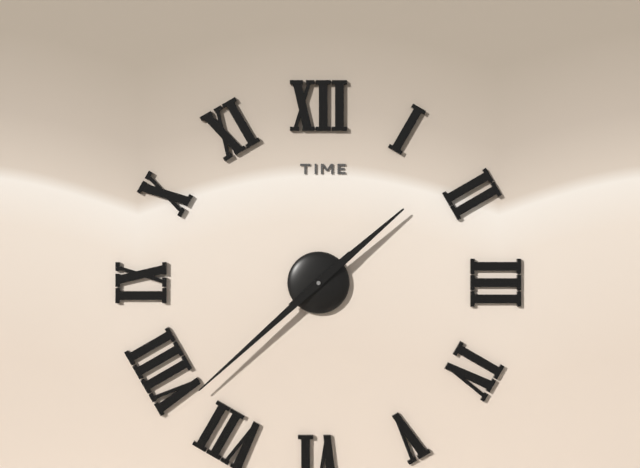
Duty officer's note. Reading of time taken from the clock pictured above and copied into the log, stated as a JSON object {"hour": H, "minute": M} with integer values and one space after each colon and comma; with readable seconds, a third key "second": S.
{"hour": 1, "minute": 38}
